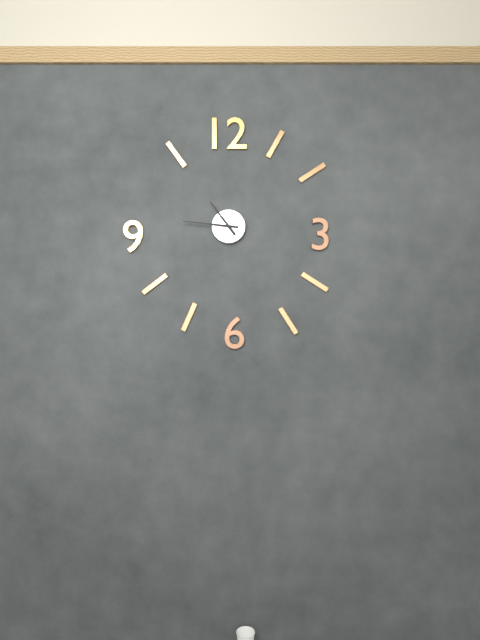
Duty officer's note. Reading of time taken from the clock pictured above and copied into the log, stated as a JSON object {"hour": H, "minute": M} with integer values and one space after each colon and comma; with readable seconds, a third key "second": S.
{"hour": 10, "minute": 46}
